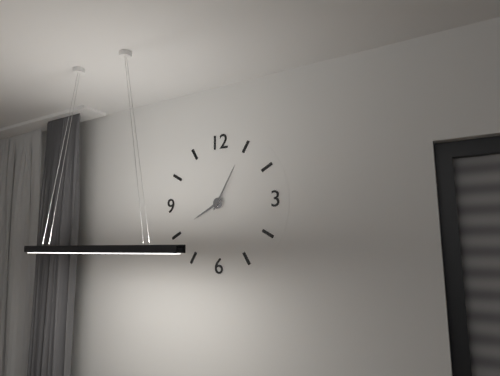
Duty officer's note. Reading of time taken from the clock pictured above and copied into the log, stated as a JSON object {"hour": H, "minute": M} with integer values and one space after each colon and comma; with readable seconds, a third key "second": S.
{"hour": 8, "minute": 5}
